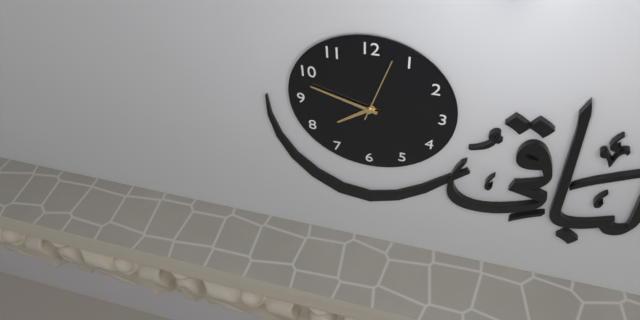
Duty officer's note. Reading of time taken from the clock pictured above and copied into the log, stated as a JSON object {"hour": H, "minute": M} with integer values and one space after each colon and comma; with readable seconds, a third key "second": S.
{"hour": 7, "minute": 48, "second": 3}
